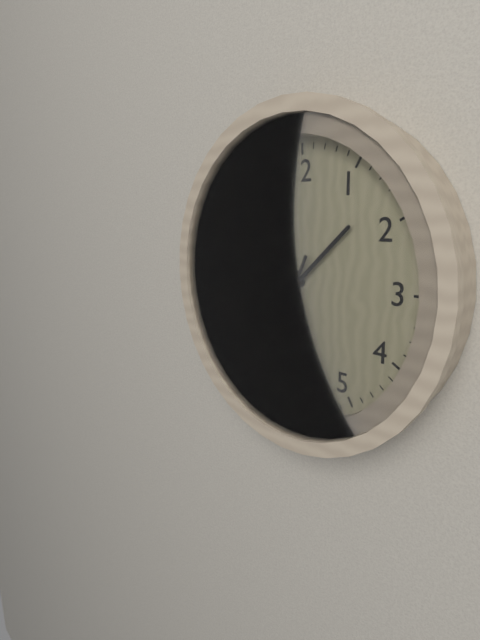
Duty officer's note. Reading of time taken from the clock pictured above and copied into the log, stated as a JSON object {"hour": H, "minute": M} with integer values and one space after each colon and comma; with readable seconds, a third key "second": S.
{"hour": 1, "minute": 34, "second": 26}
